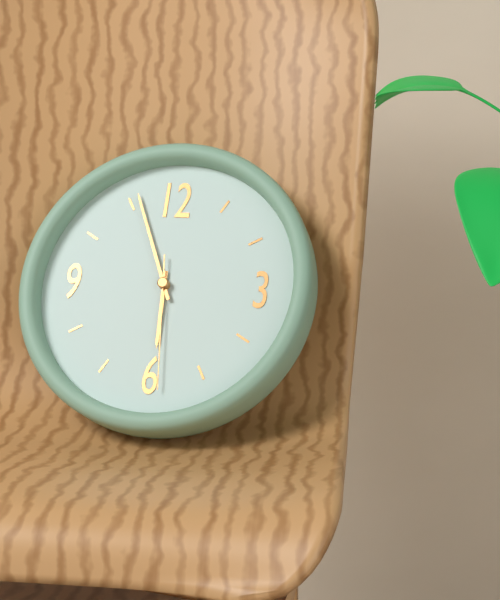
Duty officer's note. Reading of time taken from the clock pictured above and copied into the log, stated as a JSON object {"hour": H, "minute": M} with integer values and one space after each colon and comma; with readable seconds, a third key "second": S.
{"hour": 5, "minute": 56, "second": 29}
